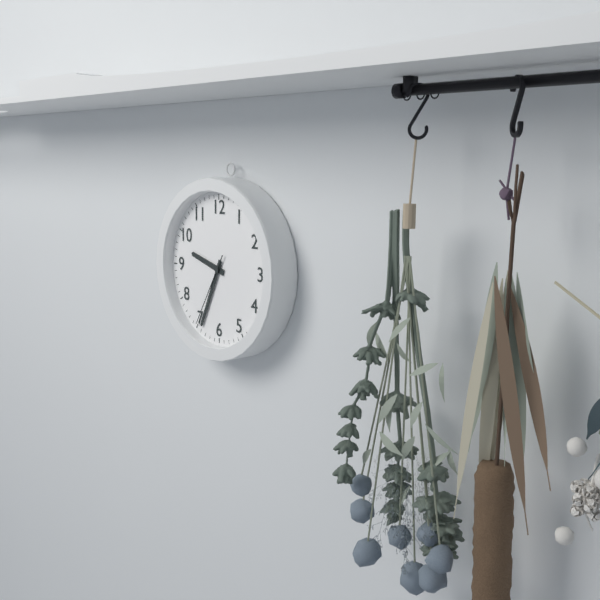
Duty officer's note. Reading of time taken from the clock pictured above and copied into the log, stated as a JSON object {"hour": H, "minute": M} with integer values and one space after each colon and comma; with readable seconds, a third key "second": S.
{"hour": 9, "minute": 34, "second": 35}
